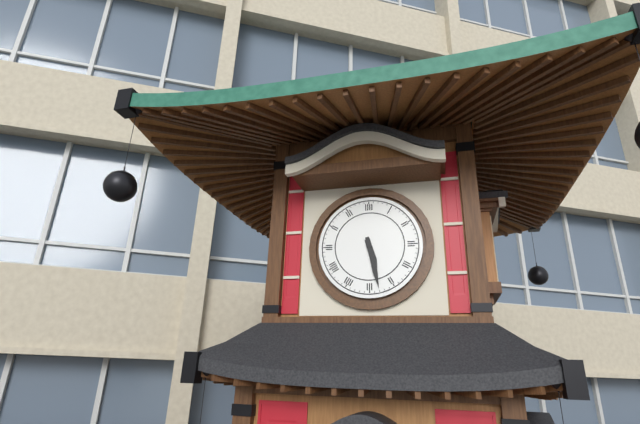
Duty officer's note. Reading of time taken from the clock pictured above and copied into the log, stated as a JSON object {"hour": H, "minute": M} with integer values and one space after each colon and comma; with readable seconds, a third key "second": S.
{"hour": 5, "minute": 28}
